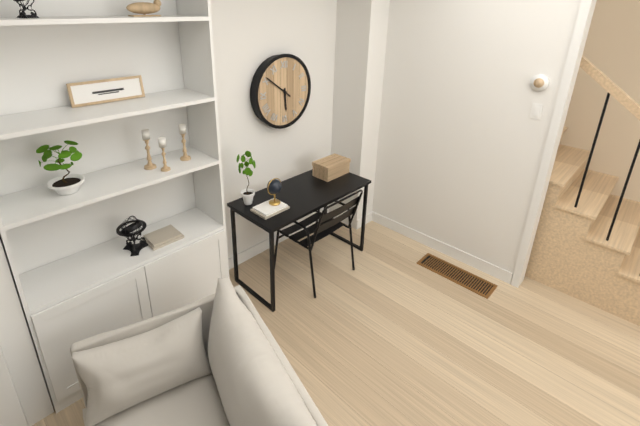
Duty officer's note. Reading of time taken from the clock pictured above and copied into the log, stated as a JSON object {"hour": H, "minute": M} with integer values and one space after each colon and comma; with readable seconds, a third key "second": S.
{"hour": 5, "minute": 51}
